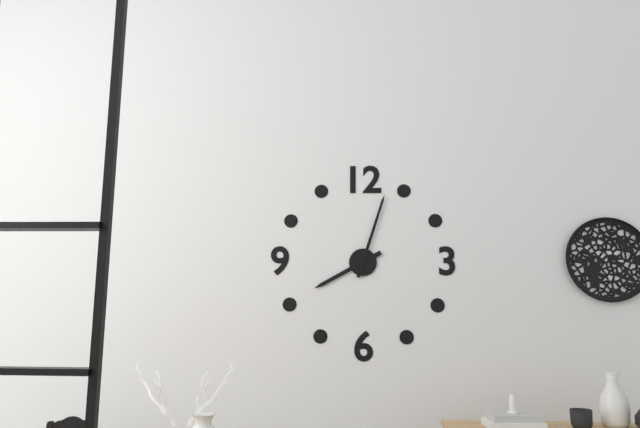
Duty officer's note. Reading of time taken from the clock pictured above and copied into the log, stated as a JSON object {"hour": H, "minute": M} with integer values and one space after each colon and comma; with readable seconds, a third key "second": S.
{"hour": 8, "minute": 3}
